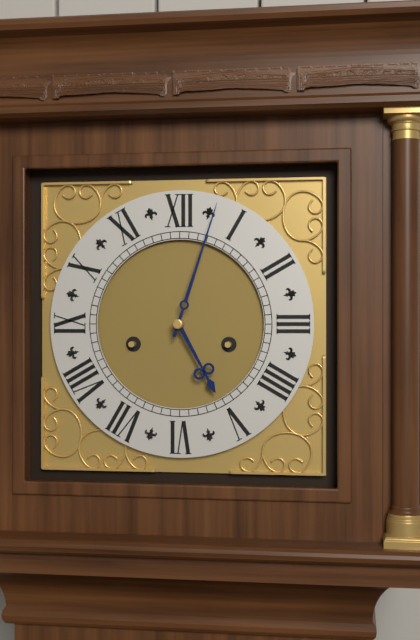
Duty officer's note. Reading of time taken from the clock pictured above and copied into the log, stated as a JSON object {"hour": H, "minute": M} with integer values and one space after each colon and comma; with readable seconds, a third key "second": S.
{"hour": 5, "minute": 3}
